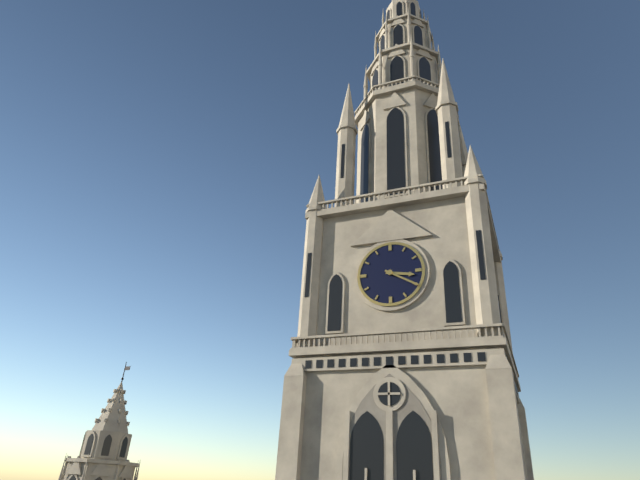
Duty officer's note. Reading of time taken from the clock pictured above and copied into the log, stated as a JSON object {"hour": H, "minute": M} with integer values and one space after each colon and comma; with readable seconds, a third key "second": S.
{"hour": 3, "minute": 20}
